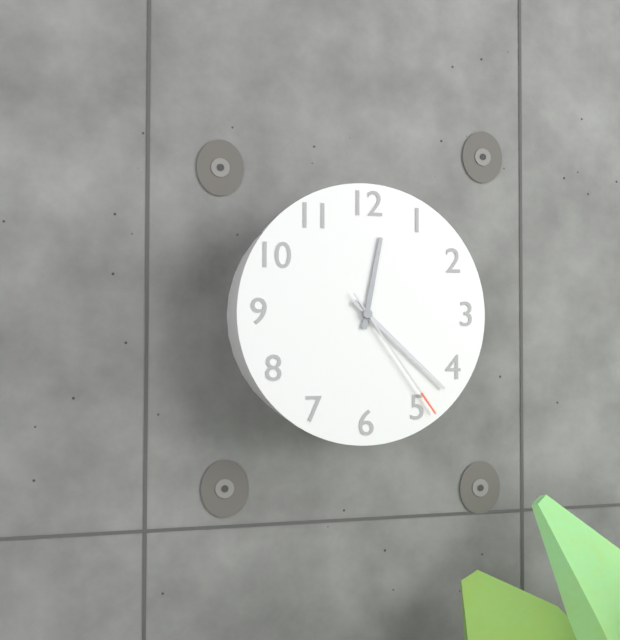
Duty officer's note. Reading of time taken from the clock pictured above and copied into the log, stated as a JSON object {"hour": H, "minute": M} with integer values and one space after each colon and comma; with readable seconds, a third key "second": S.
{"hour": 12, "minute": 22, "second": 24}
